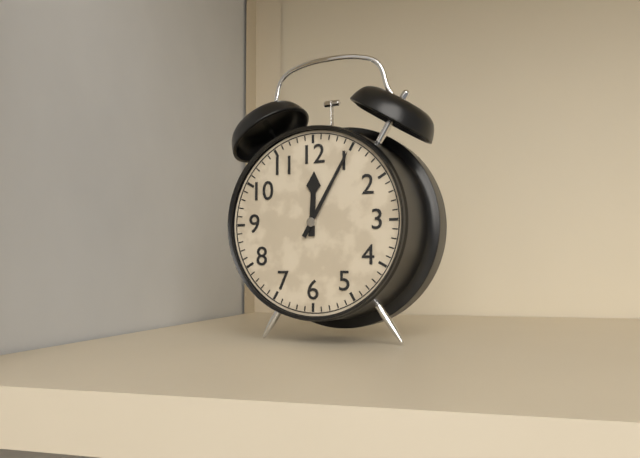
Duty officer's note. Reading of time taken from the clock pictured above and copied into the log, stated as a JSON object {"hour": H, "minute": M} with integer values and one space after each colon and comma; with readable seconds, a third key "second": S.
{"hour": 12, "minute": 5}
